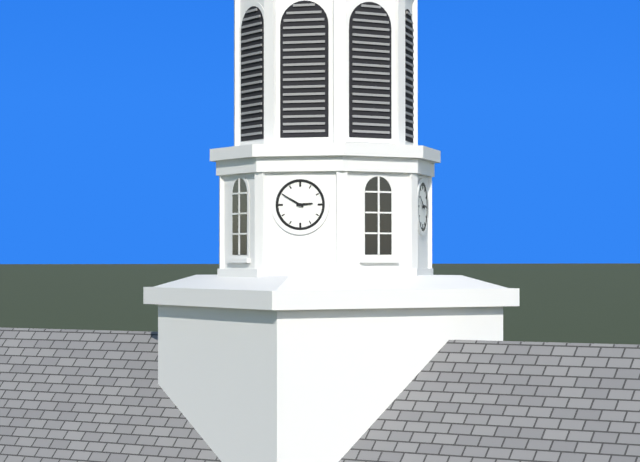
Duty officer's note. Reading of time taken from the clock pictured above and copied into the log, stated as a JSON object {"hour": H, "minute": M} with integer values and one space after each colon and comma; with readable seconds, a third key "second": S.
{"hour": 2, "minute": 50}
